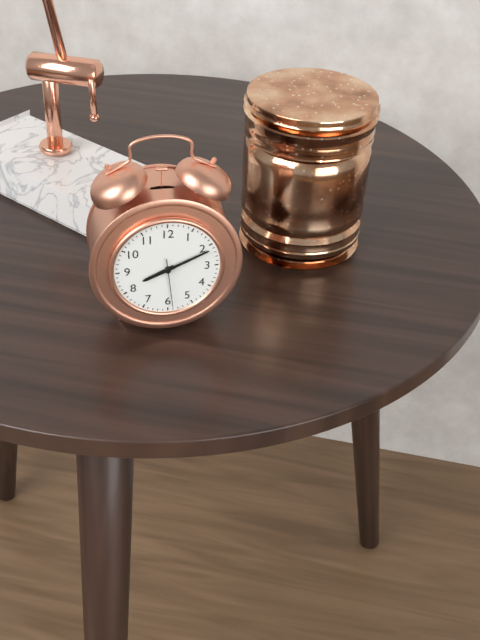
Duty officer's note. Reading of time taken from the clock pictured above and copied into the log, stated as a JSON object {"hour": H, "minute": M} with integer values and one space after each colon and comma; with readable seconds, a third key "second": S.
{"hour": 8, "minute": 11}
